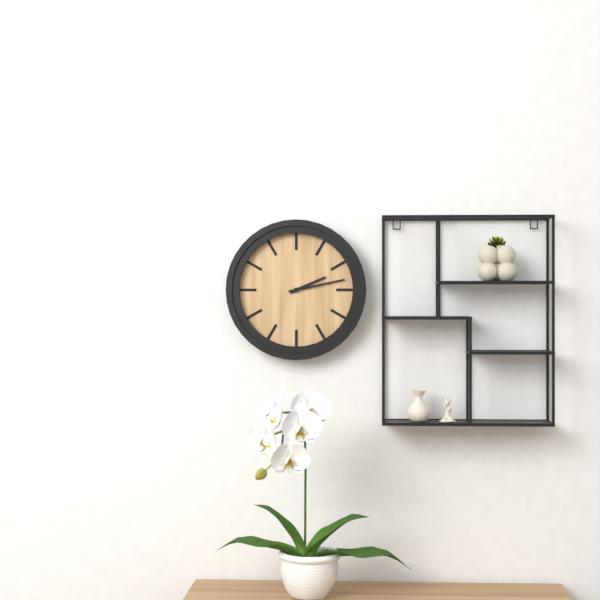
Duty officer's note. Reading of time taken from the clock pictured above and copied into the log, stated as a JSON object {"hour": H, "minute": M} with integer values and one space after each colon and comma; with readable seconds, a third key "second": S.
{"hour": 2, "minute": 13}
